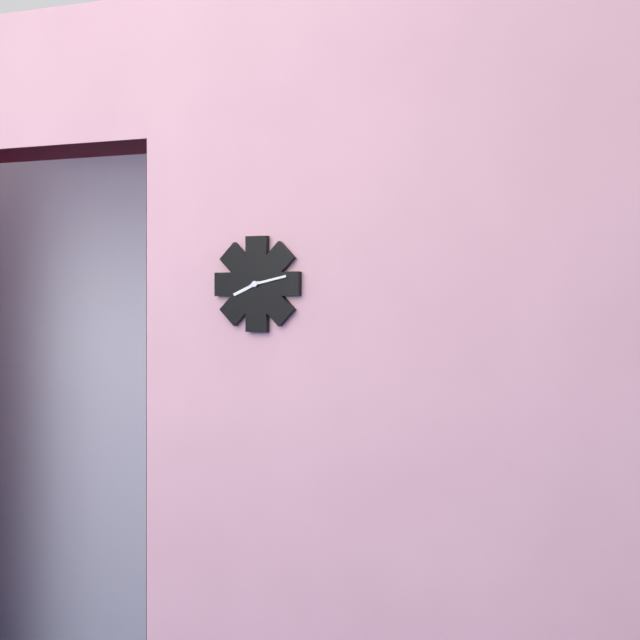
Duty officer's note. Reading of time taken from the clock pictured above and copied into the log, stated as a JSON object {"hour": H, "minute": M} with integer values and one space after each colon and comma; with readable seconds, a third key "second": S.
{"hour": 8, "minute": 13}
